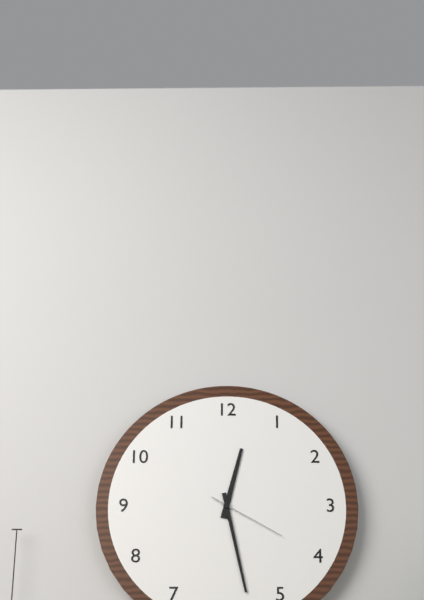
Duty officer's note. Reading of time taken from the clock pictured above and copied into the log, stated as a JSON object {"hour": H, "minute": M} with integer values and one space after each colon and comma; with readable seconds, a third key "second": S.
{"hour": 12, "minute": 28, "second": 20}
